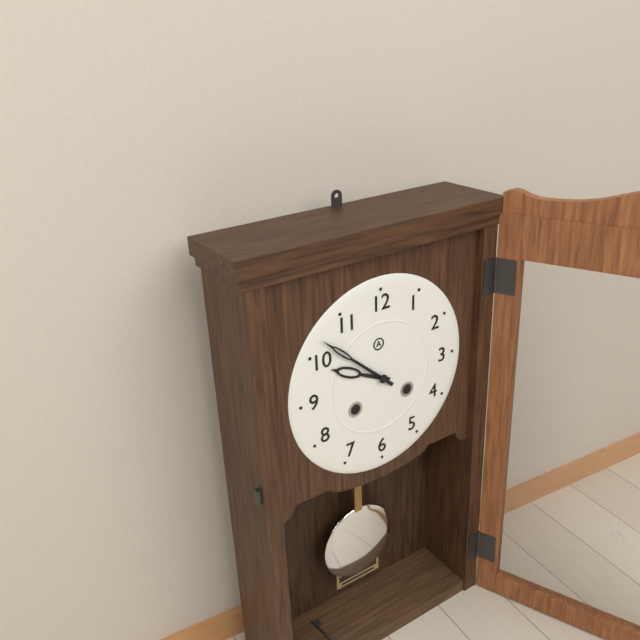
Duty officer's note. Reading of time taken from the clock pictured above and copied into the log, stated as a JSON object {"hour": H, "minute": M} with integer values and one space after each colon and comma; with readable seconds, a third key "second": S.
{"hour": 9, "minute": 52}
